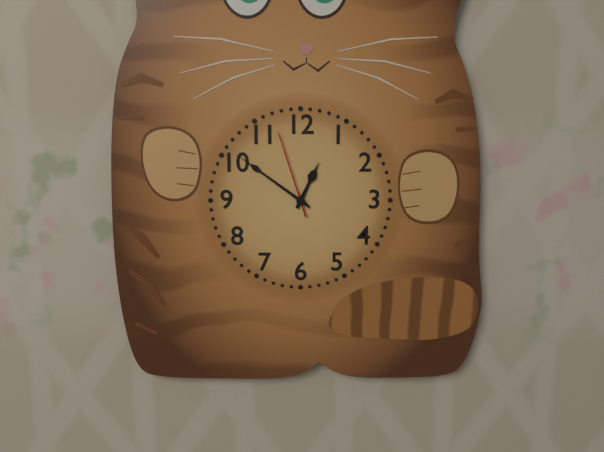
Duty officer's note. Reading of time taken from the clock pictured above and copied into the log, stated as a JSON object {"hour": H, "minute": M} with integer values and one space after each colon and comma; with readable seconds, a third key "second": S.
{"hour": 12, "minute": 51, "second": 57}
